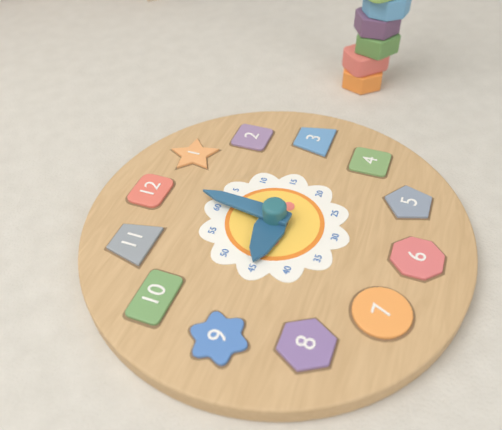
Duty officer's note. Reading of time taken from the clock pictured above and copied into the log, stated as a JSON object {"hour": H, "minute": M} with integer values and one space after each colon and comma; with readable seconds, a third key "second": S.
{"hour": 9, "minute": 1}
